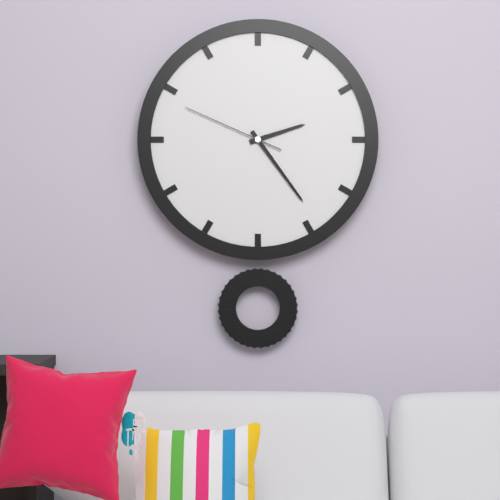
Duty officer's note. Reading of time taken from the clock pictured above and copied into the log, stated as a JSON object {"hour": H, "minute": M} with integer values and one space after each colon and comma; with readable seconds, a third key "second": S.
{"hour": 2, "minute": 24, "second": 49}
